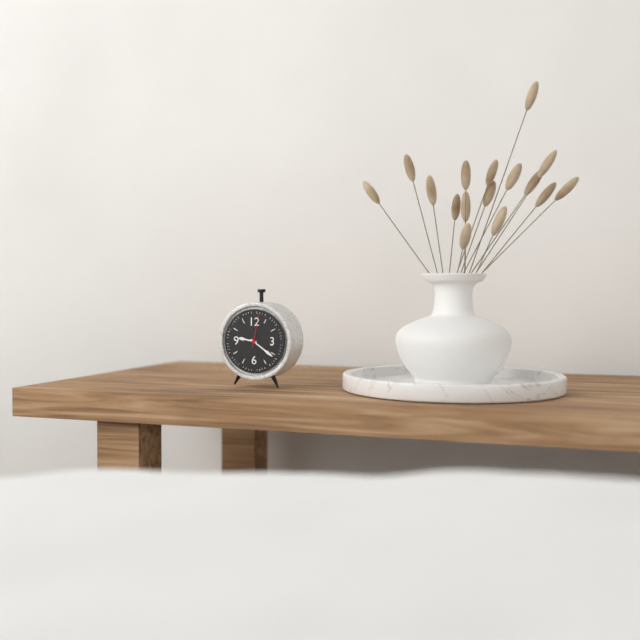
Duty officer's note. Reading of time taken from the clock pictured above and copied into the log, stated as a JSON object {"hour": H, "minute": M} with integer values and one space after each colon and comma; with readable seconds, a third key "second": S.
{"hour": 9, "minute": 21}
